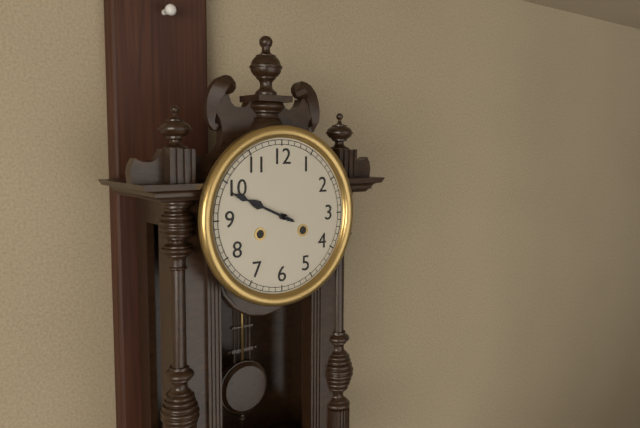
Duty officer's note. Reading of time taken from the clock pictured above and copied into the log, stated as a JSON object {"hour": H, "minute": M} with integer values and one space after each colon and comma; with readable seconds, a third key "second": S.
{"hour": 9, "minute": 49}
